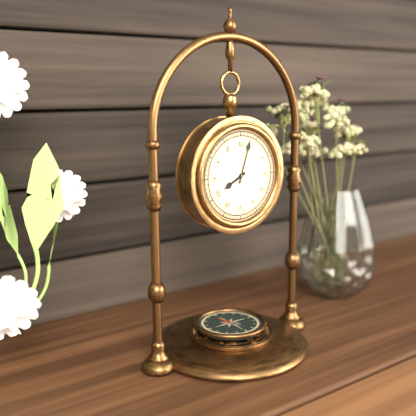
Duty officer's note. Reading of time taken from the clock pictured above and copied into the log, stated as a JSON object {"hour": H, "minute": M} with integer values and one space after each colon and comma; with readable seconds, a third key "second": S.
{"hour": 8, "minute": 3}
